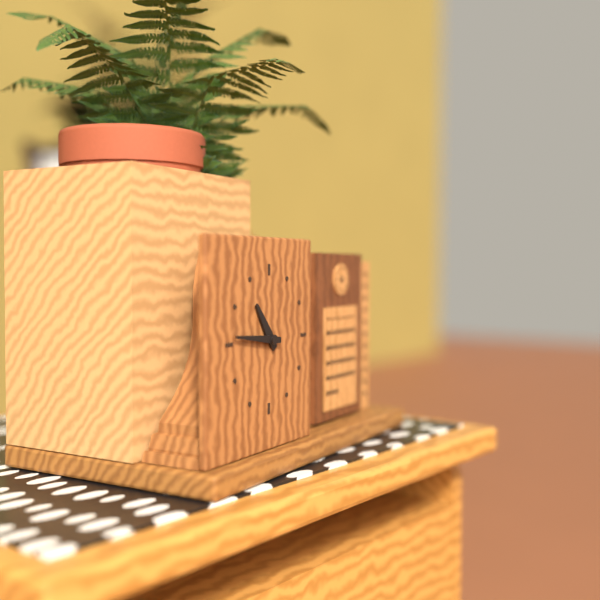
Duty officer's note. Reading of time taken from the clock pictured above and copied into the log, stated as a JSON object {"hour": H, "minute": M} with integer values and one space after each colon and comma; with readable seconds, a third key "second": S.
{"hour": 10, "minute": 46}
